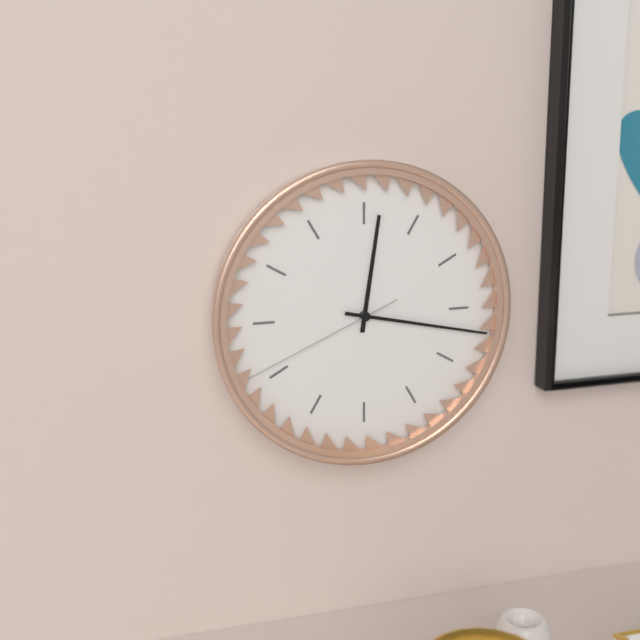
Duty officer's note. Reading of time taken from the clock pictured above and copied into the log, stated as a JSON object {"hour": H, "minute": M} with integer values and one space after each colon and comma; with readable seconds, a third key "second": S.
{"hour": 12, "minute": 17, "second": 41}
